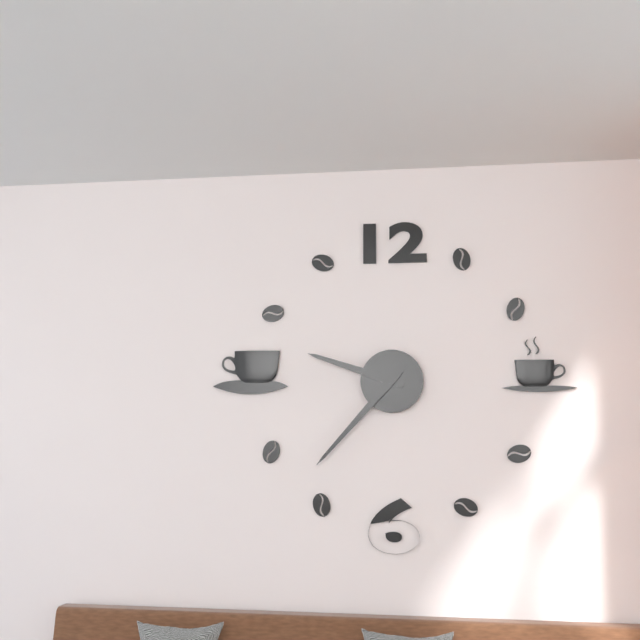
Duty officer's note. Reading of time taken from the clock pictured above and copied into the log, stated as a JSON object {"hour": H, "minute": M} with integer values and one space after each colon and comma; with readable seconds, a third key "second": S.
{"hour": 9, "minute": 37}
